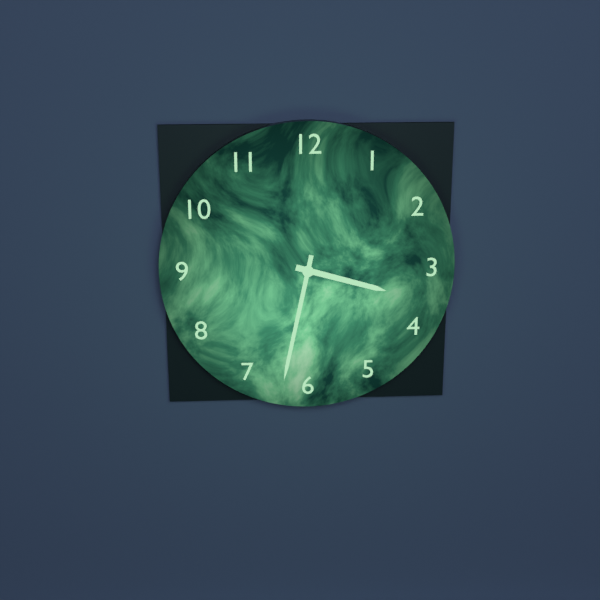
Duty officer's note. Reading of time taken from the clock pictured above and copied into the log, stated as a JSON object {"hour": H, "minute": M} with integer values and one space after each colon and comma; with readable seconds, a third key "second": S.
{"hour": 3, "minute": 32}
